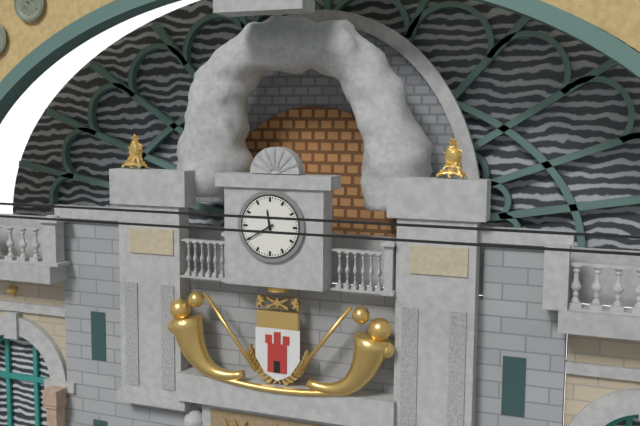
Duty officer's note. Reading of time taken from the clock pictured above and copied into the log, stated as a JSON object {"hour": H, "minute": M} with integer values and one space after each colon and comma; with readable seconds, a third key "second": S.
{"hour": 11, "minute": 40}
